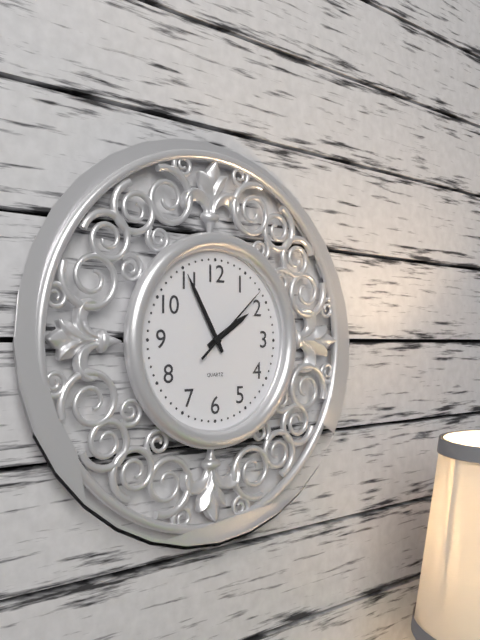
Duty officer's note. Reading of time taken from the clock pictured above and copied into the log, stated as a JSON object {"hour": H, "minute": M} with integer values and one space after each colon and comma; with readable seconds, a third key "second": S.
{"hour": 1, "minute": 55, "second": 8}
